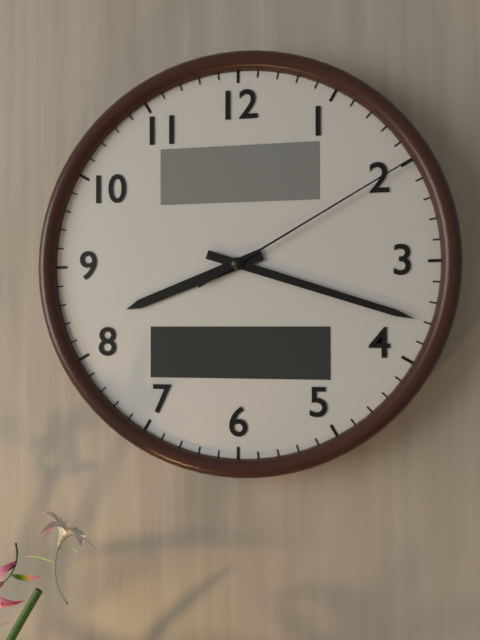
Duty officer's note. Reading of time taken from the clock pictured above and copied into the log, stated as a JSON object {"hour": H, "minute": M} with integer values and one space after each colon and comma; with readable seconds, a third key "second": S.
{"hour": 8, "minute": 18, "second": 10}
